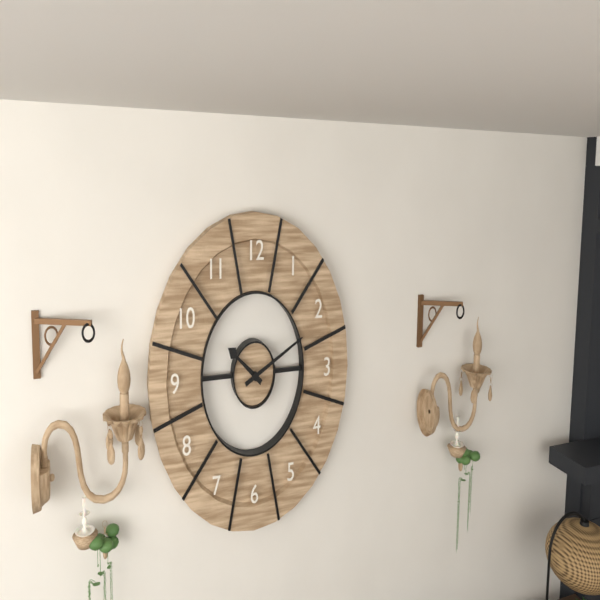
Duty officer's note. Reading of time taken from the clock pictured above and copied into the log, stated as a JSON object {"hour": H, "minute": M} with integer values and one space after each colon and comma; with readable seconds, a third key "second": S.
{"hour": 10, "minute": 11}
